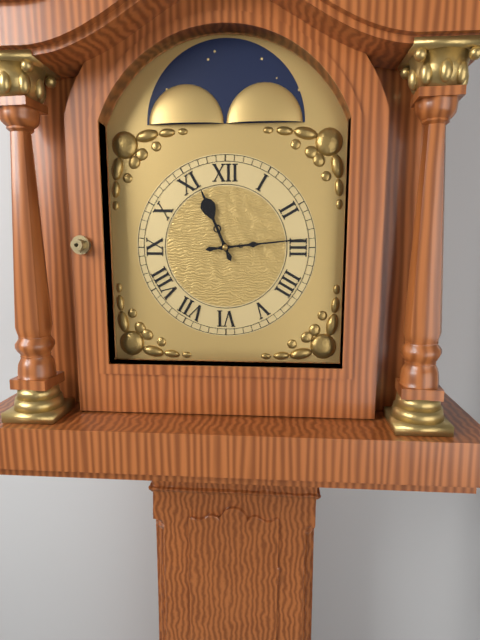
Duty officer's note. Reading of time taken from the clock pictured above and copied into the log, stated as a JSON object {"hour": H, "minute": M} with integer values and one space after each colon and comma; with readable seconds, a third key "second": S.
{"hour": 11, "minute": 14}
